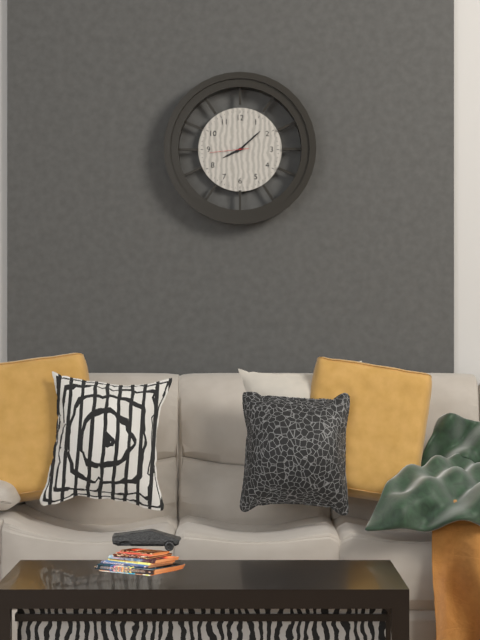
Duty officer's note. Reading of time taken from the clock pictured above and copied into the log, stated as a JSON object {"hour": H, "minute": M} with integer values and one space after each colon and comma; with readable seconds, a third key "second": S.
{"hour": 8, "minute": 8}
